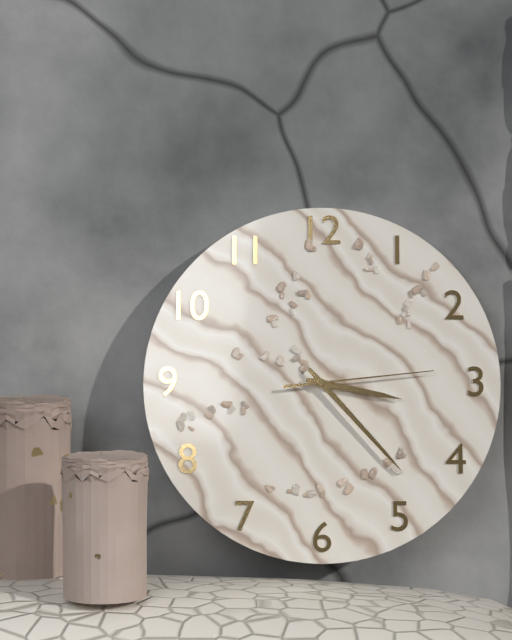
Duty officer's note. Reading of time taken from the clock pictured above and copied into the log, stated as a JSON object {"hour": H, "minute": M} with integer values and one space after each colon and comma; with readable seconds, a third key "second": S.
{"hour": 3, "minute": 23, "second": 14}
